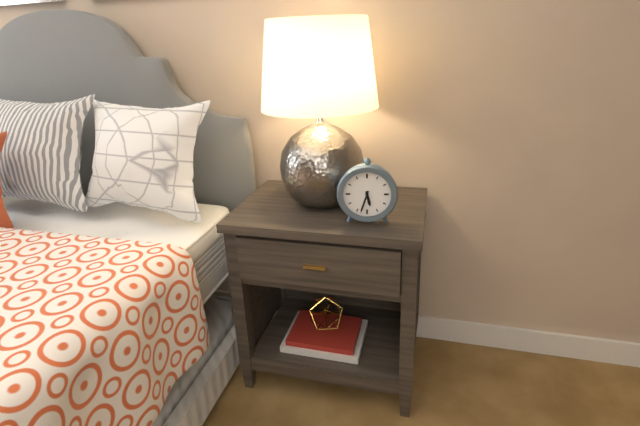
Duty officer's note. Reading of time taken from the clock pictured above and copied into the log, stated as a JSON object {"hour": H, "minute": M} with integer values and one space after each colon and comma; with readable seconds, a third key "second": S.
{"hour": 5, "minute": 33}
